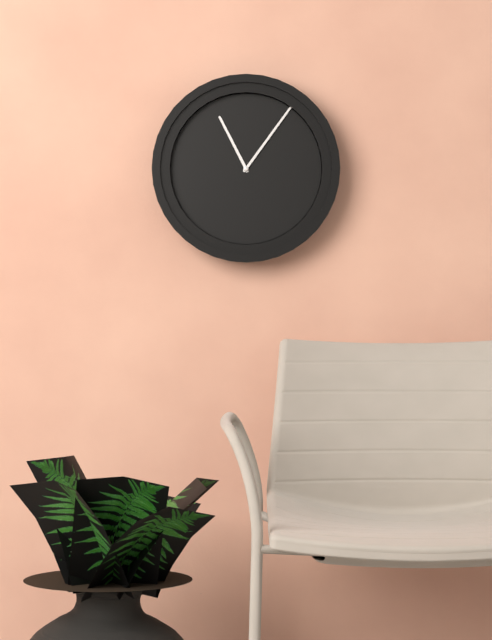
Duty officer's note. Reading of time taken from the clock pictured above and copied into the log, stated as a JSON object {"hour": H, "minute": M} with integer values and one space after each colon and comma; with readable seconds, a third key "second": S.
{"hour": 11, "minute": 6}
